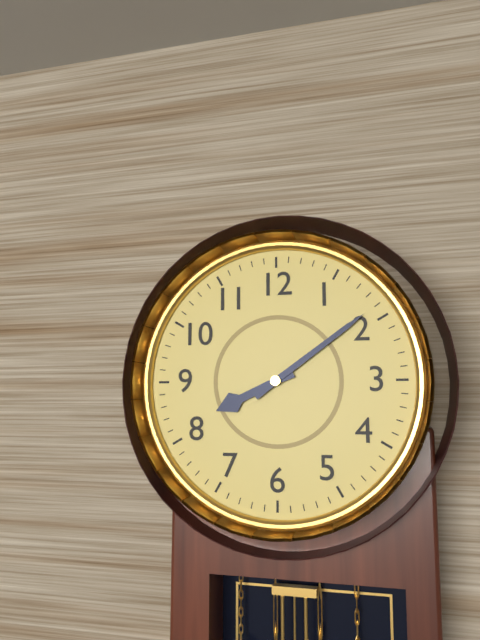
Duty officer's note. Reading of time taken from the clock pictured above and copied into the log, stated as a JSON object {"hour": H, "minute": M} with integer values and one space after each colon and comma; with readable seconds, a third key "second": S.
{"hour": 8, "minute": 9}
